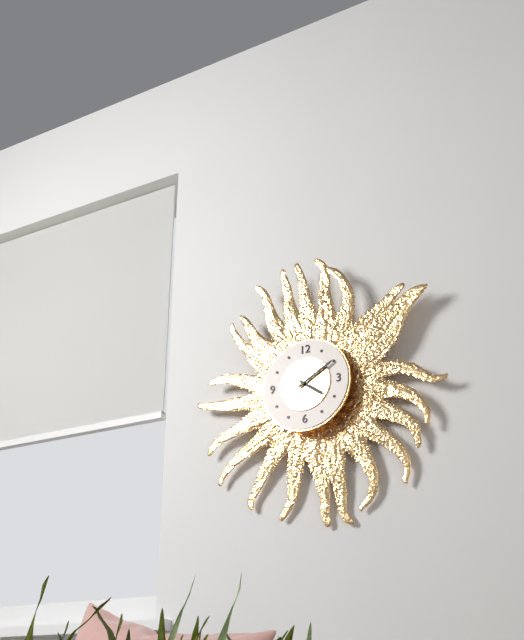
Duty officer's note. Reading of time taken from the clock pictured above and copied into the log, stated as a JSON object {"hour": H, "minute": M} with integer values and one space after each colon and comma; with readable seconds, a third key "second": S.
{"hour": 4, "minute": 10}
